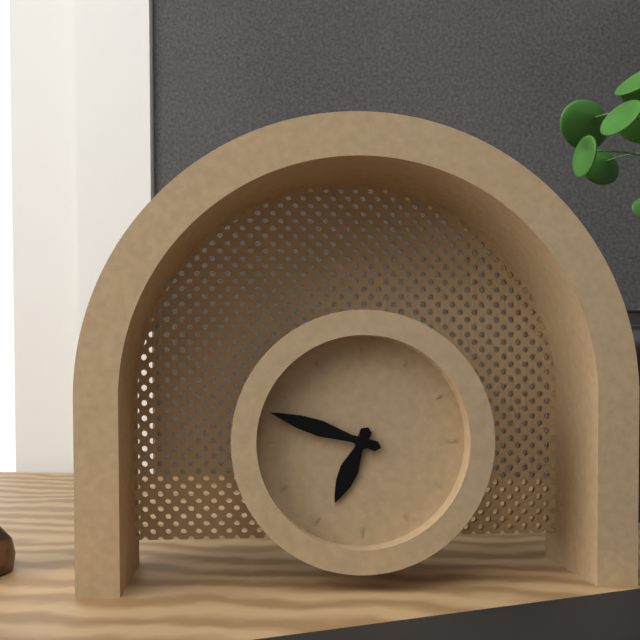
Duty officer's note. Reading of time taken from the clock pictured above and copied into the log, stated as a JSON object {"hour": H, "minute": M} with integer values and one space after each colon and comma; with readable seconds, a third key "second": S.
{"hour": 6, "minute": 48}
